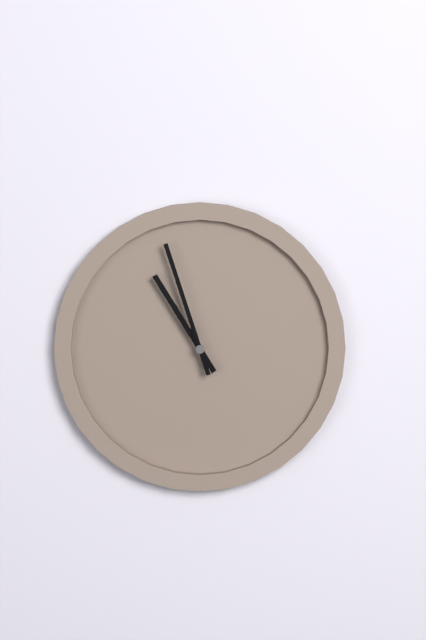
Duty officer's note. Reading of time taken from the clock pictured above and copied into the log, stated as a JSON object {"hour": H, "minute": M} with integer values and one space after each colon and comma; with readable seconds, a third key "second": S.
{"hour": 10, "minute": 57}
